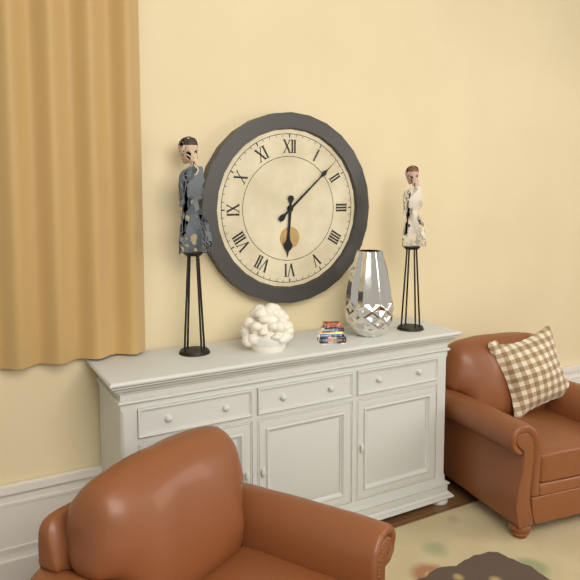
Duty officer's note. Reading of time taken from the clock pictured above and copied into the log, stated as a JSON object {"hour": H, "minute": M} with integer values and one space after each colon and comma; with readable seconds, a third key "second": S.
{"hour": 6, "minute": 8}
